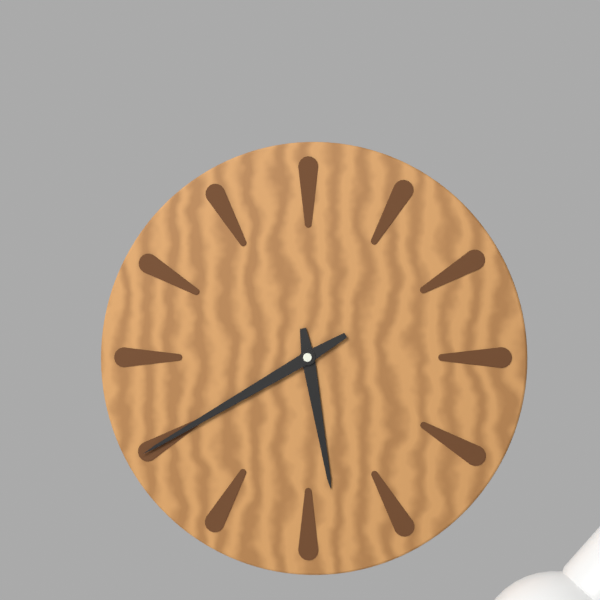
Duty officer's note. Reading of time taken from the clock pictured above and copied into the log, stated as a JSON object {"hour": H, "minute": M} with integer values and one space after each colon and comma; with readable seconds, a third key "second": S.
{"hour": 5, "minute": 40}
